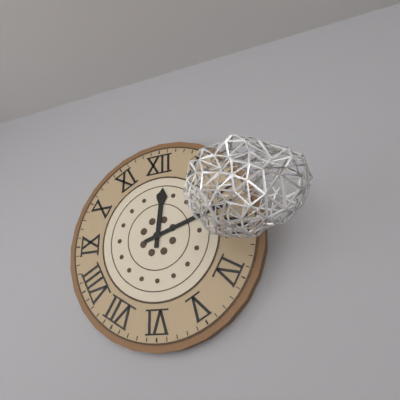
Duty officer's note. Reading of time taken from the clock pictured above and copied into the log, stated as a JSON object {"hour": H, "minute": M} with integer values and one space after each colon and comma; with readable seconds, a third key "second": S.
{"hour": 12, "minute": 12}
